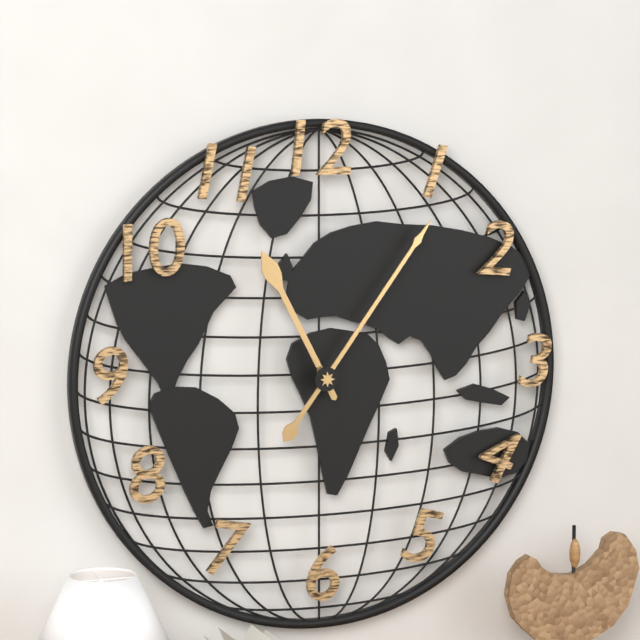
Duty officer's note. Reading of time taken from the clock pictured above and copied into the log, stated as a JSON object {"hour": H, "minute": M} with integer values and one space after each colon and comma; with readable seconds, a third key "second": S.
{"hour": 11, "minute": 6}
